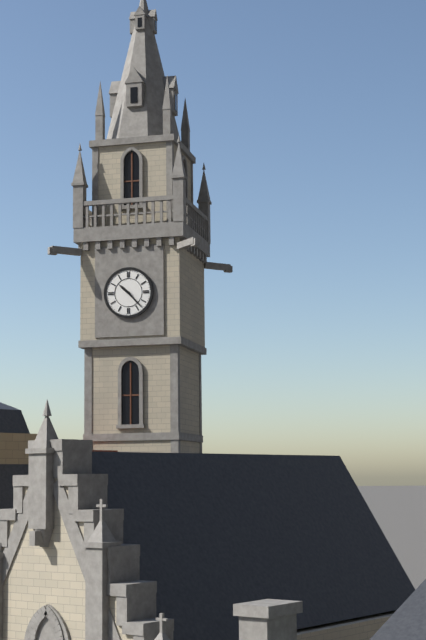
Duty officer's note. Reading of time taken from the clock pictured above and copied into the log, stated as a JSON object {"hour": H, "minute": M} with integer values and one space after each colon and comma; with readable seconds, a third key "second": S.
{"hour": 10, "minute": 23}
